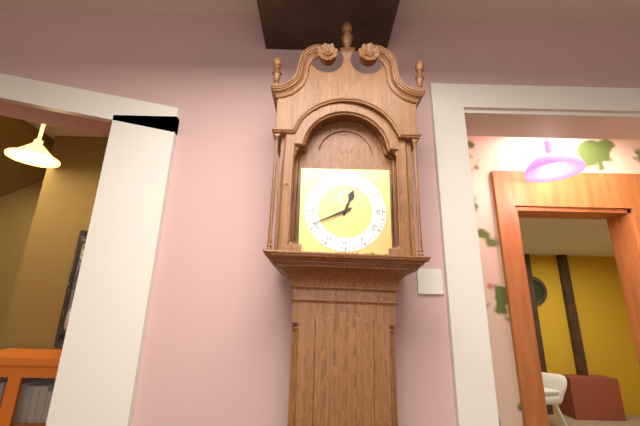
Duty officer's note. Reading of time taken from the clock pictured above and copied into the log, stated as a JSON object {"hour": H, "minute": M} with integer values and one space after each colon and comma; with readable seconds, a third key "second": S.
{"hour": 12, "minute": 41}
